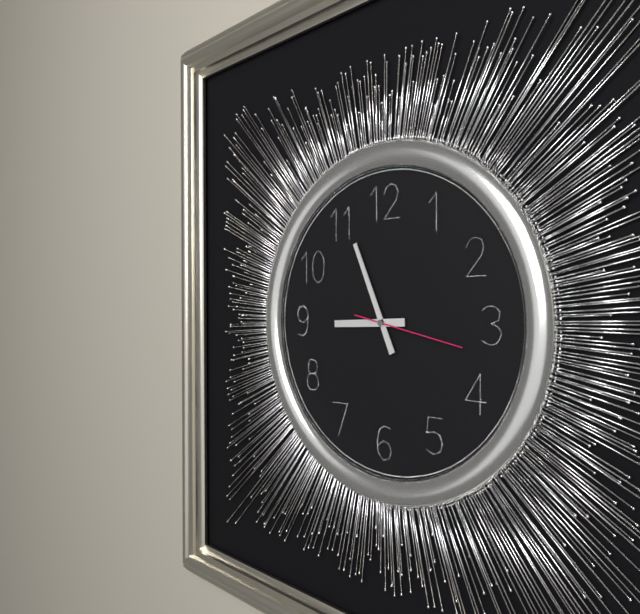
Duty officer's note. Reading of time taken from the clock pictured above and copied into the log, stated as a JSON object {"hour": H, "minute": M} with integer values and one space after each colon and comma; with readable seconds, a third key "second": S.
{"hour": 8, "minute": 56, "second": 17}
